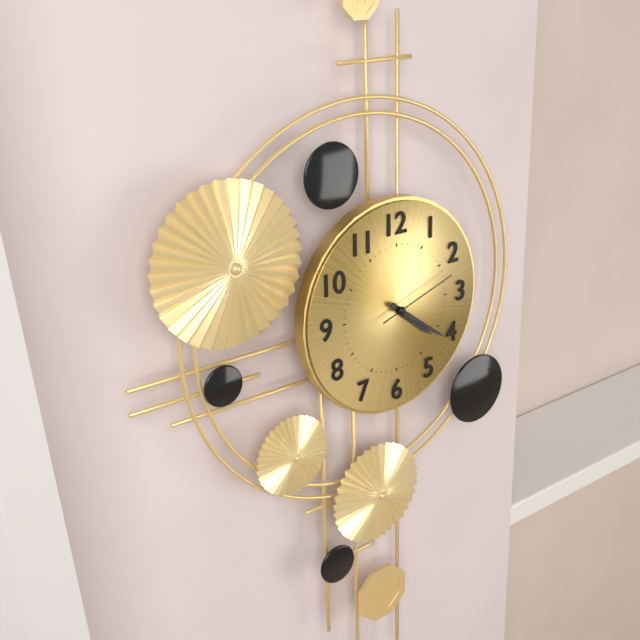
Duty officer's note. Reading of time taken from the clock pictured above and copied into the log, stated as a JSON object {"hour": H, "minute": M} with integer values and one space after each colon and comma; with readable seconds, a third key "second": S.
{"hour": 4, "minute": 21, "second": 12}
